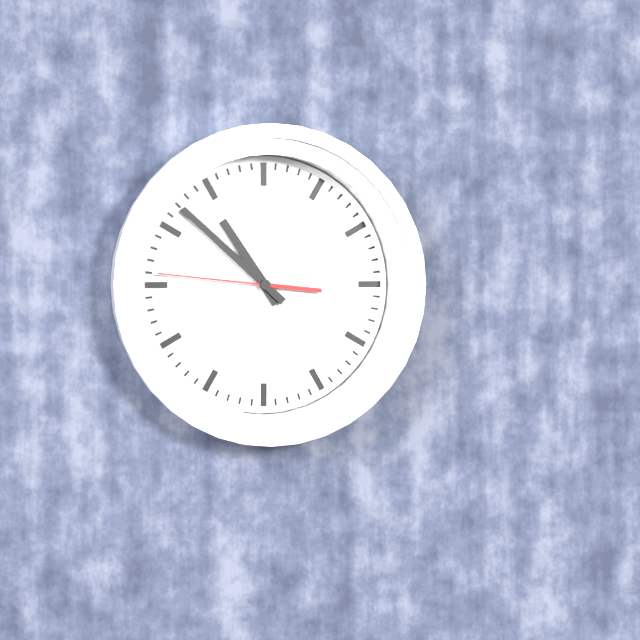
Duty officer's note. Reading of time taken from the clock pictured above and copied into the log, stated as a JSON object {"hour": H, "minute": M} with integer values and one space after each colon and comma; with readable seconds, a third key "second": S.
{"hour": 10, "minute": 52, "second": 46}
